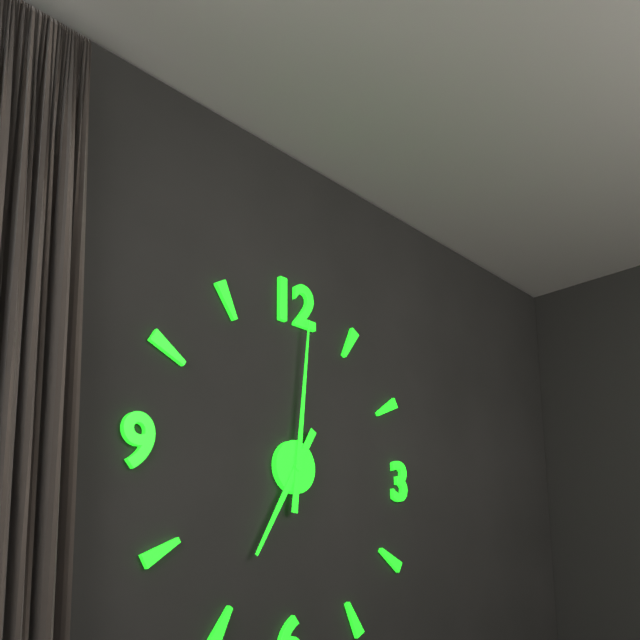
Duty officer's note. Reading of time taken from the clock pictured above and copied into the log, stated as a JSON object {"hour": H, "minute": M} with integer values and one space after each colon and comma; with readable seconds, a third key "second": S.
{"hour": 7, "minute": 1}
